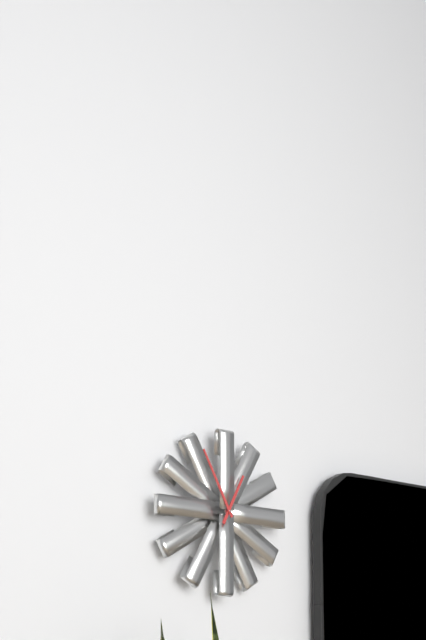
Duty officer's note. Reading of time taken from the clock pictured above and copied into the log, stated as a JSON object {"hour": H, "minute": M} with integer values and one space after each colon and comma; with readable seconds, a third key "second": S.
{"hour": 12, "minute": 55}
